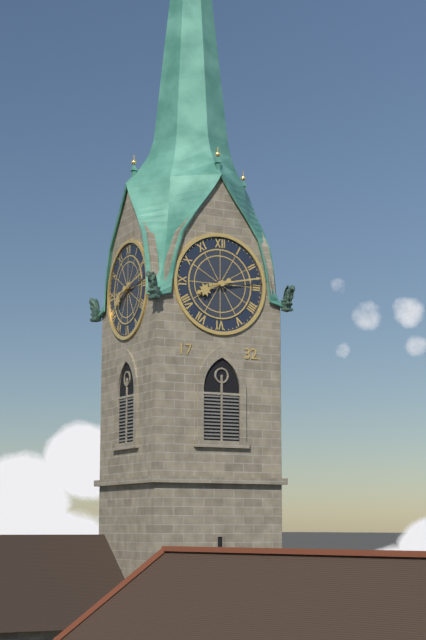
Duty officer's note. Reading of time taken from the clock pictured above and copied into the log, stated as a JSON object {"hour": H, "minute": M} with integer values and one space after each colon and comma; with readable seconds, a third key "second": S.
{"hour": 8, "minute": 13}
